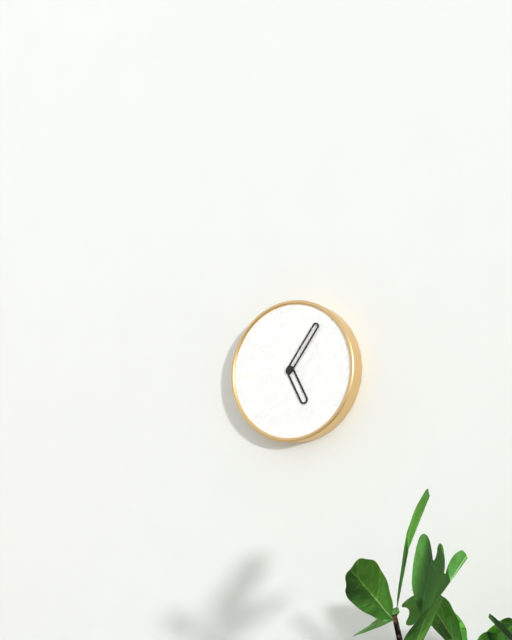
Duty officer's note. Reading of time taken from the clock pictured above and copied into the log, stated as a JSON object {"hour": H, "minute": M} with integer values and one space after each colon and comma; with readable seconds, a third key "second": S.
{"hour": 5, "minute": 6}
